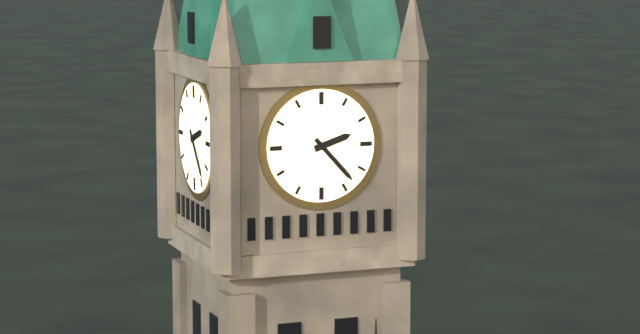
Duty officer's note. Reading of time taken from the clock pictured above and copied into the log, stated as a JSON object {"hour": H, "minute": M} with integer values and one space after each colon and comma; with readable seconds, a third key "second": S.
{"hour": 2, "minute": 23}
